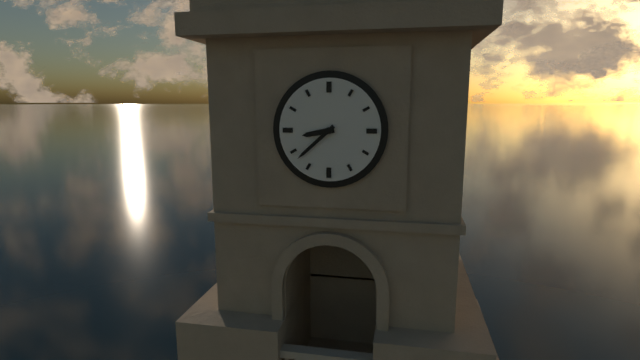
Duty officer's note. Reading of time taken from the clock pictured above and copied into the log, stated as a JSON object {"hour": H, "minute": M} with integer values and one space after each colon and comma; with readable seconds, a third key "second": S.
{"hour": 8, "minute": 38}
